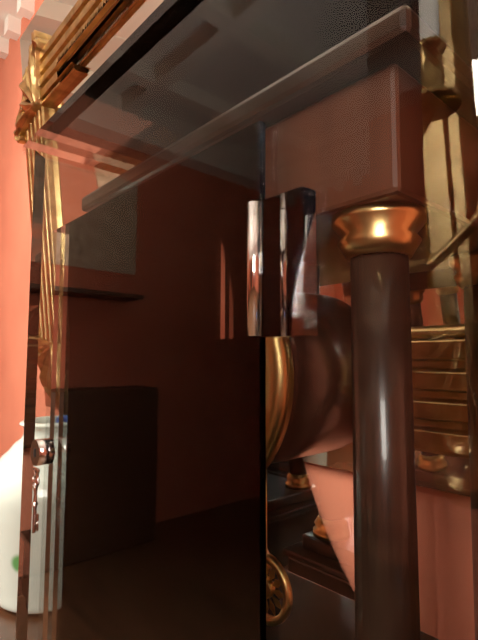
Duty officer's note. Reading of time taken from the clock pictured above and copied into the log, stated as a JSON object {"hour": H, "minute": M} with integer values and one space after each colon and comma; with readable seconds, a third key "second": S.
{"hour": 3, "minute": 21}
